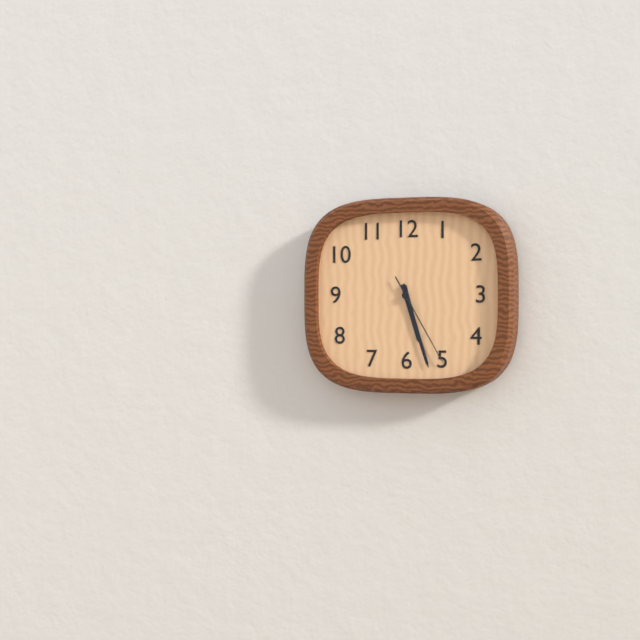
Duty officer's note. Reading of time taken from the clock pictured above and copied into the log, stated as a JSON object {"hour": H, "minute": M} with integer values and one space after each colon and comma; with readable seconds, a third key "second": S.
{"hour": 5, "minute": 27, "second": 25}
